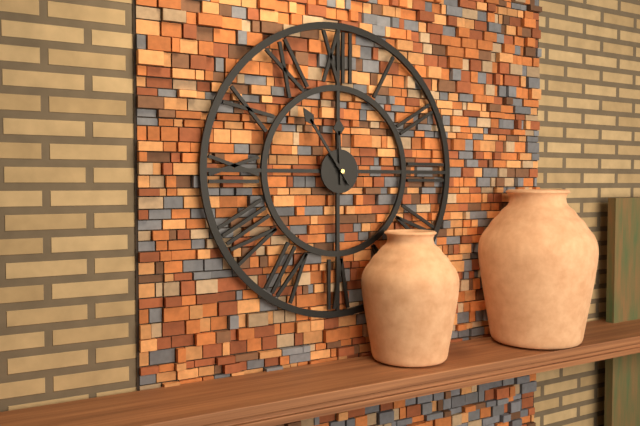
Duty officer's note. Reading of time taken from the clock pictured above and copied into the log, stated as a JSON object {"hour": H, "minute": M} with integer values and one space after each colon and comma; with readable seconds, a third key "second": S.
{"hour": 11, "minute": 54}
